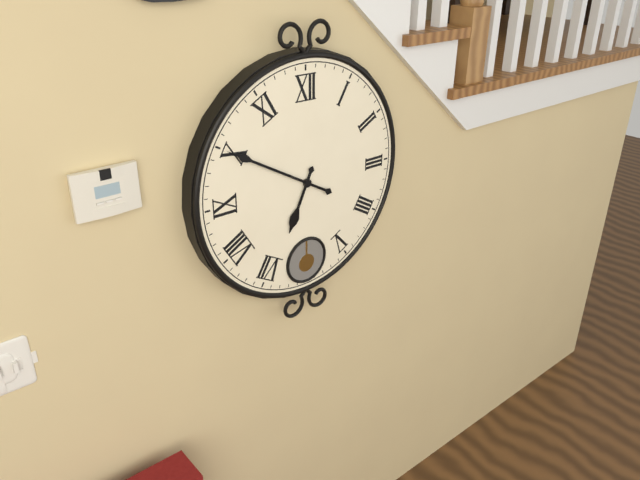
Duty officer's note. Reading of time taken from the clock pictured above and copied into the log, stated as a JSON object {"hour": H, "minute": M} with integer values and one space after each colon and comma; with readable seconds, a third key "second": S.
{"hour": 6, "minute": 50}
